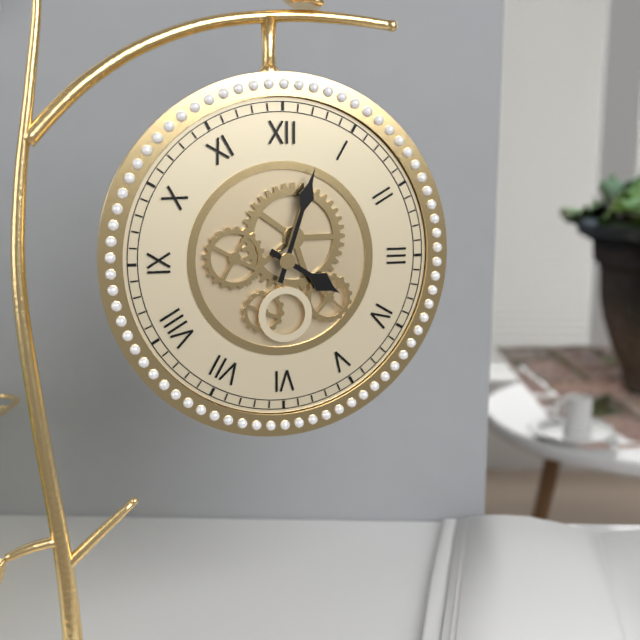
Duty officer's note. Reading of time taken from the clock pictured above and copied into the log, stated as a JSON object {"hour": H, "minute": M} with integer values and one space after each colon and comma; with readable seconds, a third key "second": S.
{"hour": 4, "minute": 3}
